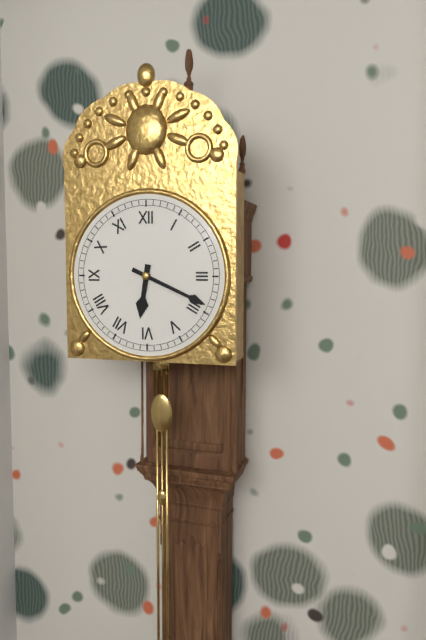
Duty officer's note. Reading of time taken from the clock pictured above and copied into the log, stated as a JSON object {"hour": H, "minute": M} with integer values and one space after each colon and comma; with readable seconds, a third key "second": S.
{"hour": 6, "minute": 19}
